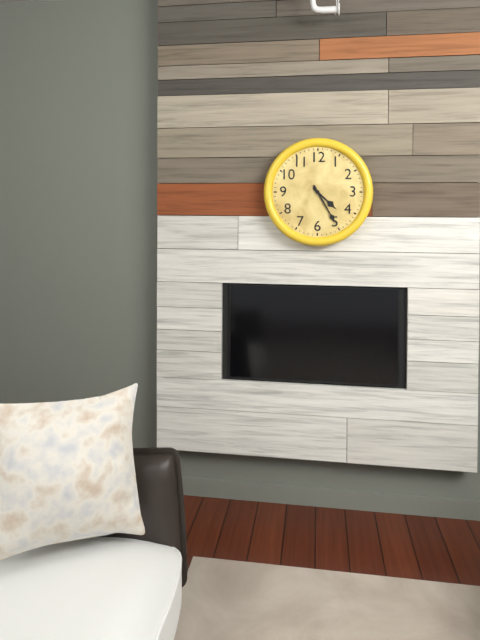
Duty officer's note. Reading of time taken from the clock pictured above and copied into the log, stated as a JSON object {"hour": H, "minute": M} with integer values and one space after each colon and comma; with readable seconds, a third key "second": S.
{"hour": 4, "minute": 25}
